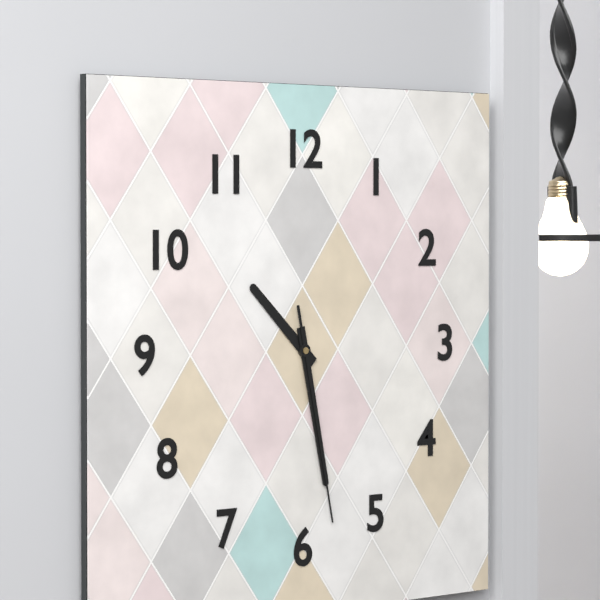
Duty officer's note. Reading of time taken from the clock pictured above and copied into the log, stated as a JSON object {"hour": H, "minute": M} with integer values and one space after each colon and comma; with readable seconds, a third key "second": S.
{"hour": 10, "minute": 28, "second": 28}
